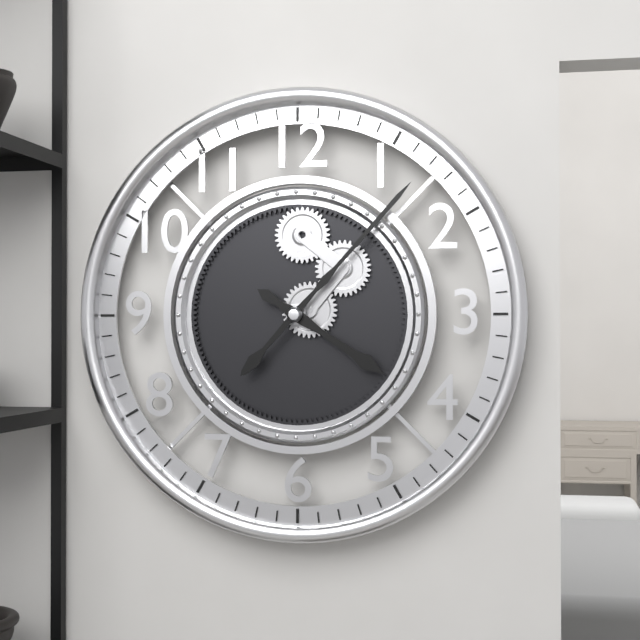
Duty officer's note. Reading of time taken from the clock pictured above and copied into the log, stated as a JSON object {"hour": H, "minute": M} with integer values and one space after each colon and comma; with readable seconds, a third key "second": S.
{"hour": 4, "minute": 7}
